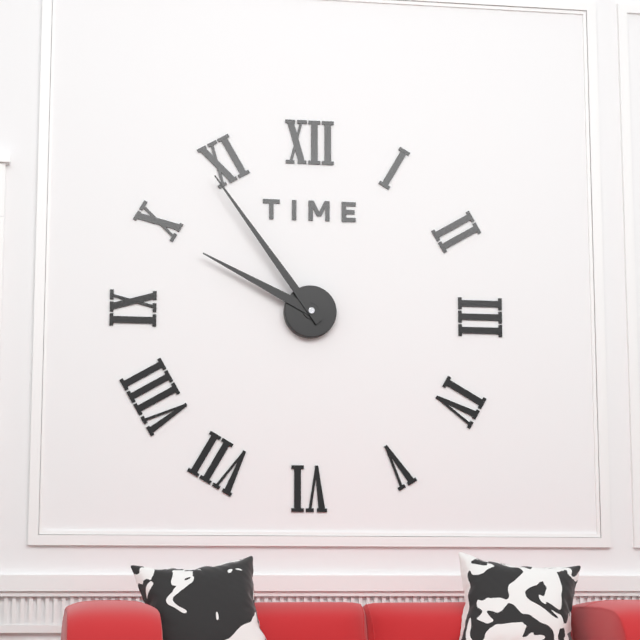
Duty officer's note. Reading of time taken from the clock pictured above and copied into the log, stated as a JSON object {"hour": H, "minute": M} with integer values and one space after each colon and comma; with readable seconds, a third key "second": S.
{"hour": 9, "minute": 54}
